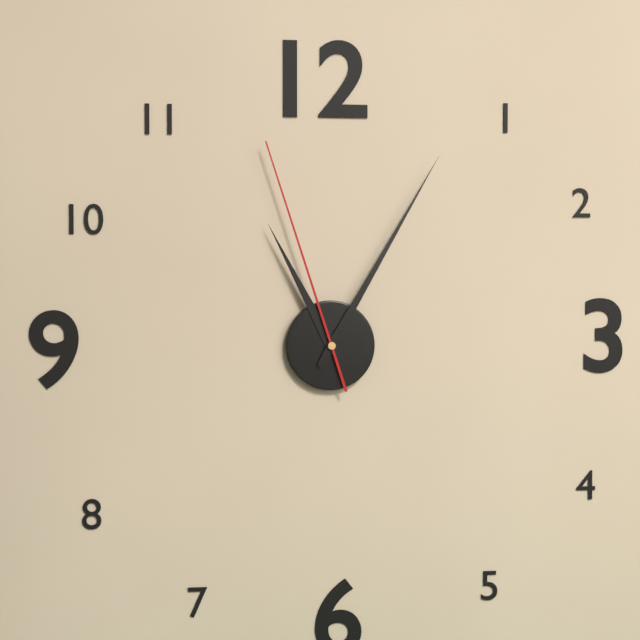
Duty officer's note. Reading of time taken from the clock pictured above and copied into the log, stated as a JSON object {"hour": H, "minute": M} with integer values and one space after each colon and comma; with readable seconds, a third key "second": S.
{"hour": 11, "minute": 5, "second": 57}
